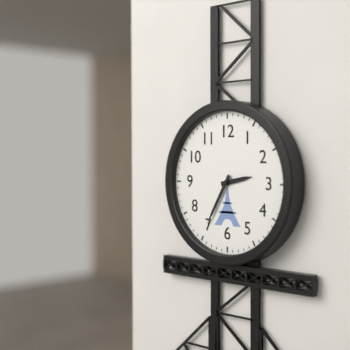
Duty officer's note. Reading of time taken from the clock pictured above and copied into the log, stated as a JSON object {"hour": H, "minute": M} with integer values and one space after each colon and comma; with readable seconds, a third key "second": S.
{"hour": 2, "minute": 35}
